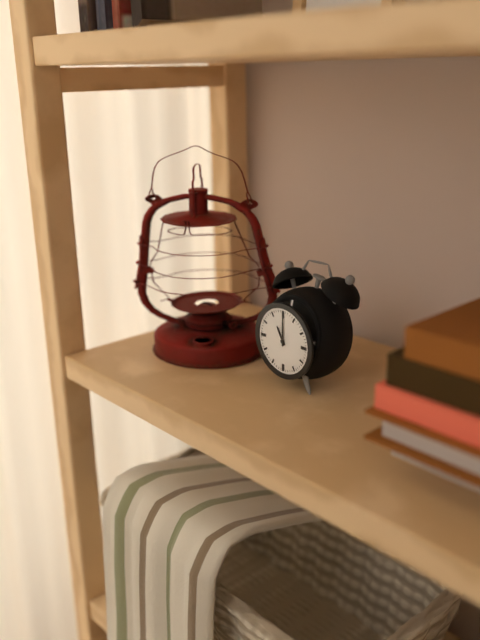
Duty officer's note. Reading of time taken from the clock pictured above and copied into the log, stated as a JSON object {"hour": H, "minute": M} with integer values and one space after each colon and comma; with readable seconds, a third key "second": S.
{"hour": 11, "minute": 0}
